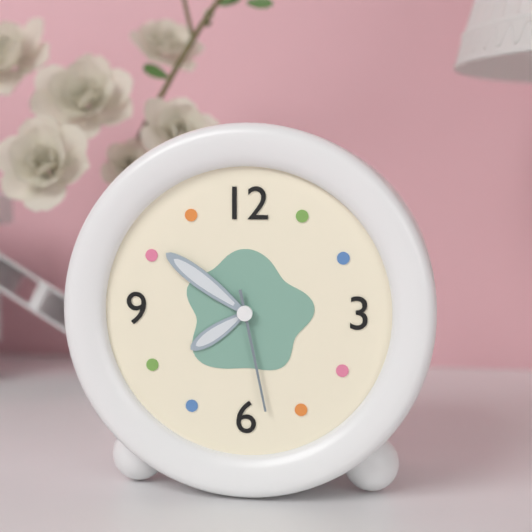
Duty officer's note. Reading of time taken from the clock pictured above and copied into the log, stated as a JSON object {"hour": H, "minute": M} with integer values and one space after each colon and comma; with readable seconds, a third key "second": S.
{"hour": 7, "minute": 51, "second": 28}
